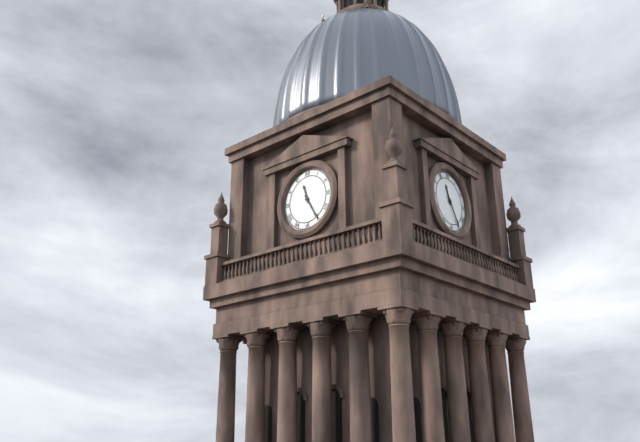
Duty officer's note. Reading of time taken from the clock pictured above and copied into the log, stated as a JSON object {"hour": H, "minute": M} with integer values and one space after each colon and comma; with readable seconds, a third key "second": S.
{"hour": 11, "minute": 25}
